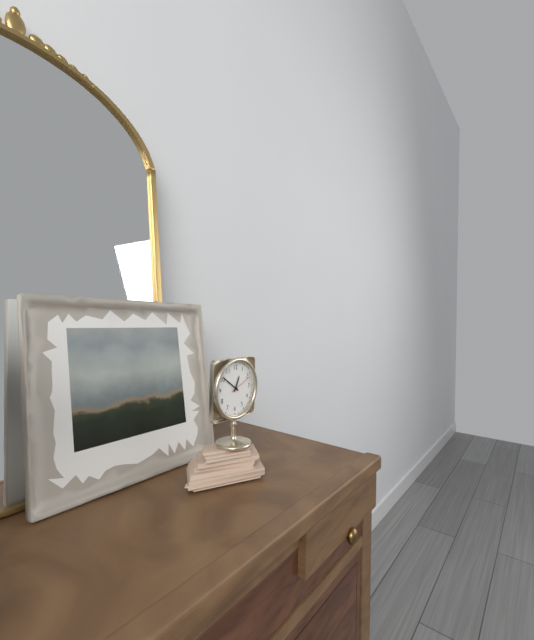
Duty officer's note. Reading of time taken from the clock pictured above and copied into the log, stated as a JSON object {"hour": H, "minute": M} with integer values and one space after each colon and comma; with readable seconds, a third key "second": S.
{"hour": 12, "minute": 51}
